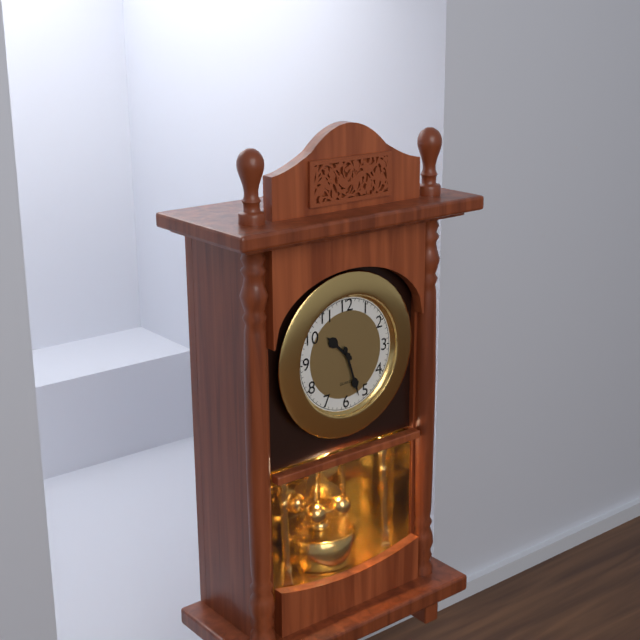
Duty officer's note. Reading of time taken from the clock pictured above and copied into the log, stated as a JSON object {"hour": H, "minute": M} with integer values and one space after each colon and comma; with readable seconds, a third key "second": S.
{"hour": 10, "minute": 27}
